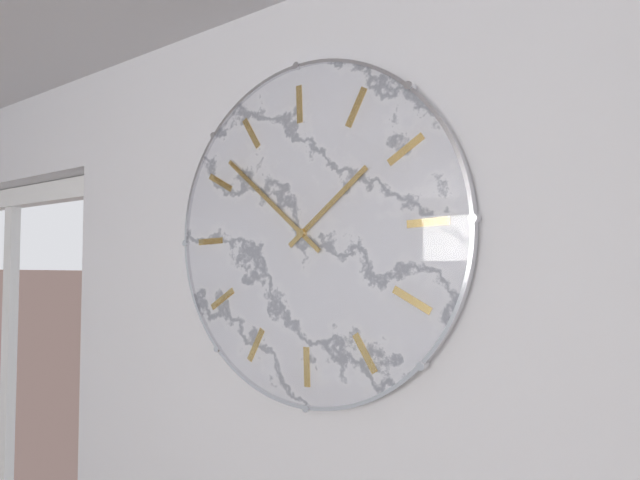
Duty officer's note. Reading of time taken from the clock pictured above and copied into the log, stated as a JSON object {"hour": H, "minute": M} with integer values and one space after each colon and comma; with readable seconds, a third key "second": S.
{"hour": 12, "minute": 47}
